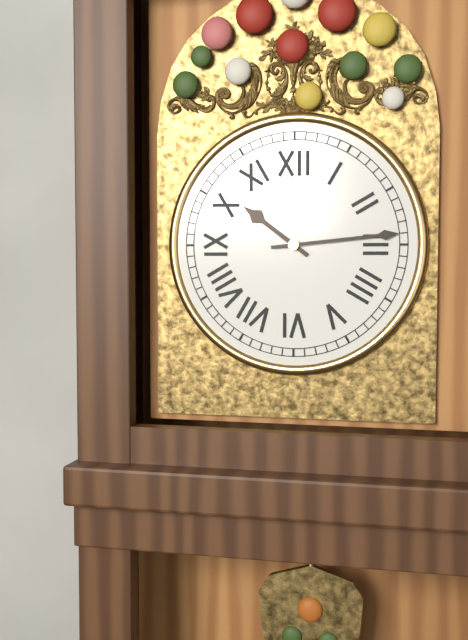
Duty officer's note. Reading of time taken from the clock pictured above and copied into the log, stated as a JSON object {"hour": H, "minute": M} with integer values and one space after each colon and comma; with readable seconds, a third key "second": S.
{"hour": 10, "minute": 14}
